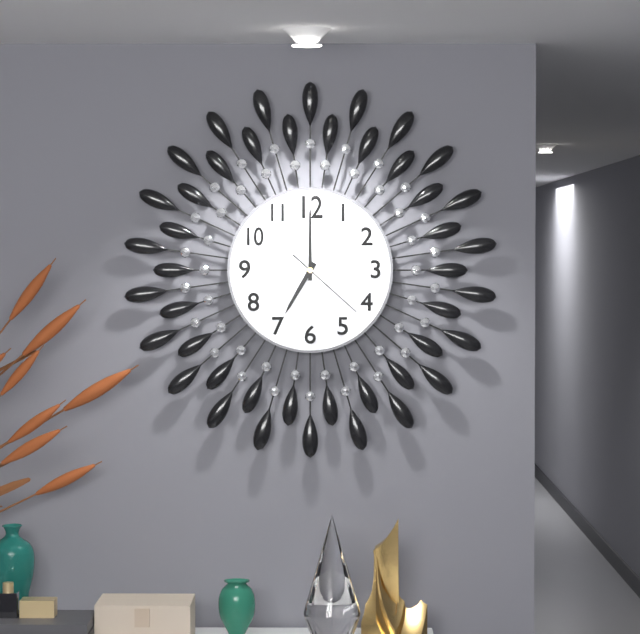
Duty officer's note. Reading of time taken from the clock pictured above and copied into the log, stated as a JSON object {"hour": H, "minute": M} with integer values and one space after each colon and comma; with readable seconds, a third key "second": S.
{"hour": 7, "minute": 0, "second": 22}
